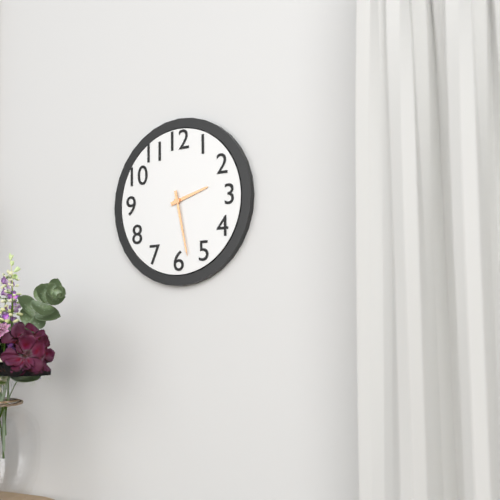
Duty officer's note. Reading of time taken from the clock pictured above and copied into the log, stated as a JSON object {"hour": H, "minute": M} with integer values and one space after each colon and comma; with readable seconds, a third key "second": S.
{"hour": 2, "minute": 28}
